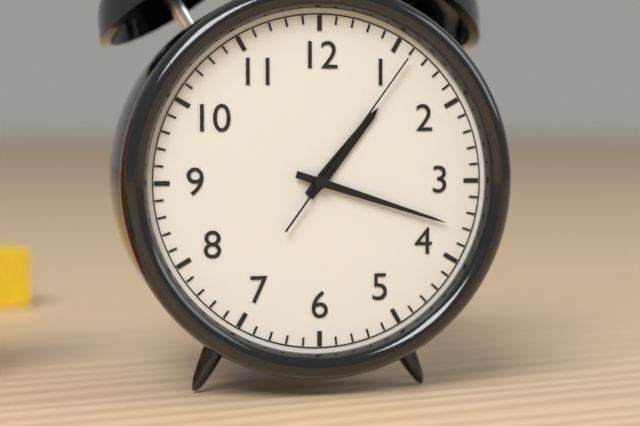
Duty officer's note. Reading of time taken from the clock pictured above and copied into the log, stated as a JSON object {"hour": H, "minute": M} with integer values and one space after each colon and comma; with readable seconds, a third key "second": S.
{"hour": 1, "minute": 18, "second": 6}
